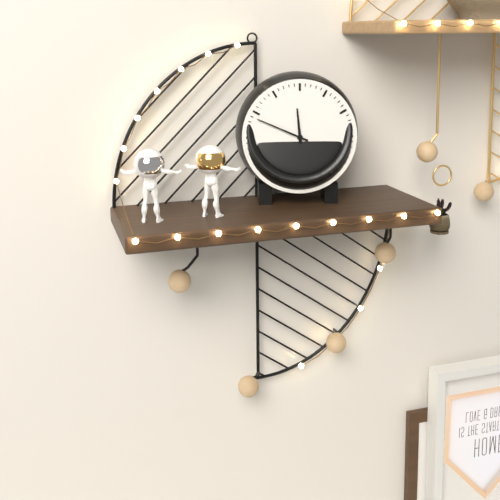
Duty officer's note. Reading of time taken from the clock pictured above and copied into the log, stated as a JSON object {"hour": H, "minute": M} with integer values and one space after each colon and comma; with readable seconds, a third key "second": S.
{"hour": 11, "minute": 49}
